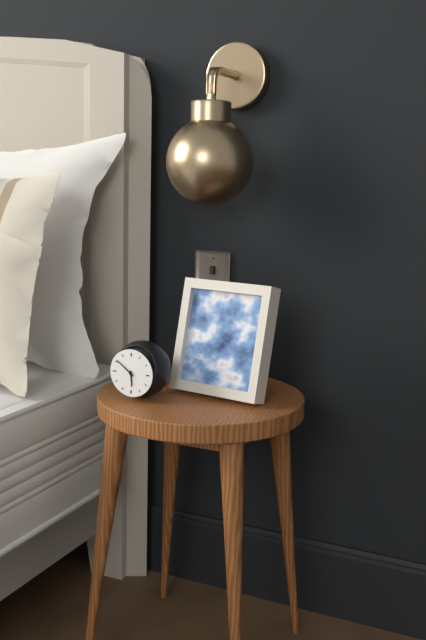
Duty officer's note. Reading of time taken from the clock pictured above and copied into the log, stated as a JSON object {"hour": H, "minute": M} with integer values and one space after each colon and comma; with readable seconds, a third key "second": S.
{"hour": 5, "minute": 51}
